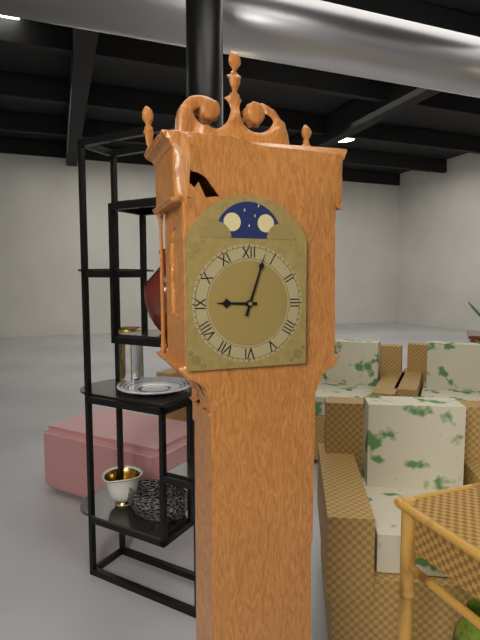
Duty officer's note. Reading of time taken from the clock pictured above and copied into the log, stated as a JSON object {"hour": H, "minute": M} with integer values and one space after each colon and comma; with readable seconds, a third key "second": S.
{"hour": 9, "minute": 3}
